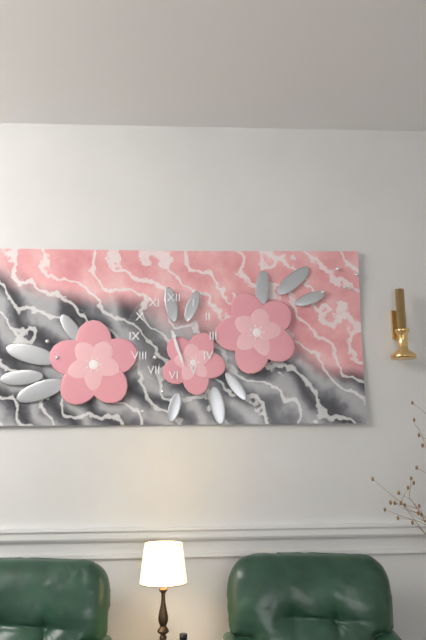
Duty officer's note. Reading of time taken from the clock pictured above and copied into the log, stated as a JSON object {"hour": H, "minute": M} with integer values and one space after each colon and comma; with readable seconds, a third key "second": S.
{"hour": 5, "minute": 27}
